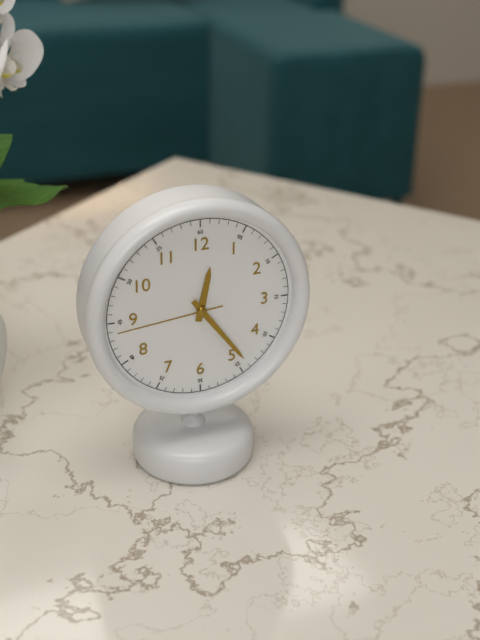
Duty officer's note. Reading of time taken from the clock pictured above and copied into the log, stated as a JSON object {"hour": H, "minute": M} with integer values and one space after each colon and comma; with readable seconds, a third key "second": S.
{"hour": 12, "minute": 24, "second": 44}
